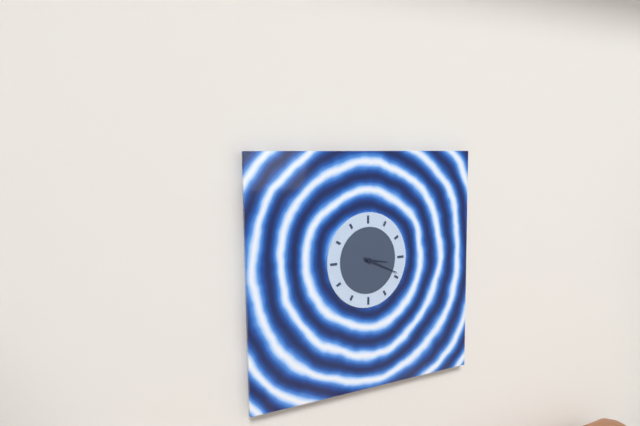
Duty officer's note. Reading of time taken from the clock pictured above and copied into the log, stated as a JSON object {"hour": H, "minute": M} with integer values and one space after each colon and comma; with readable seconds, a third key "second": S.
{"hour": 3, "minute": 19}
